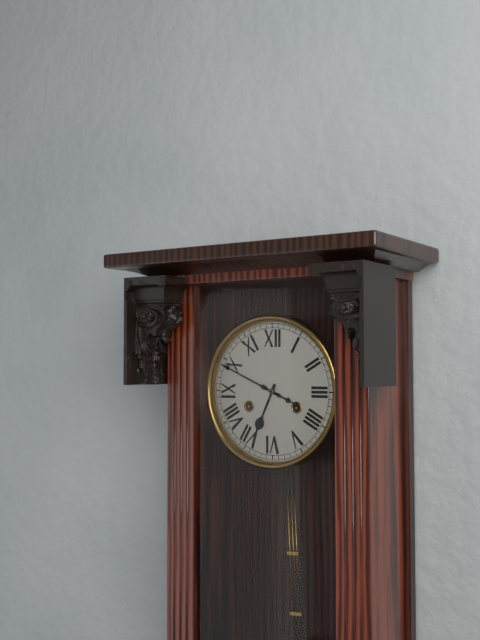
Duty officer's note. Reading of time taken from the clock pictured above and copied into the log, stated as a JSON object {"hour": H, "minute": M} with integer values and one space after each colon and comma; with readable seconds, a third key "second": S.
{"hour": 6, "minute": 49}
